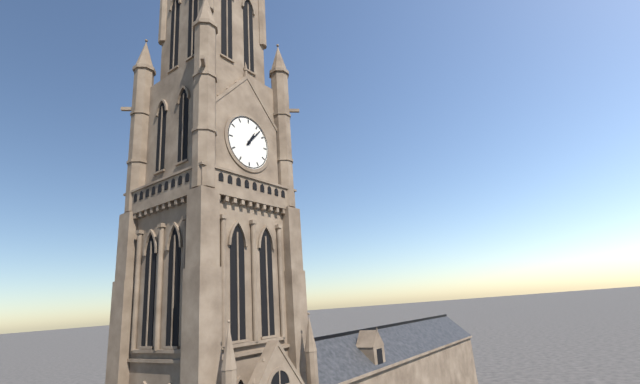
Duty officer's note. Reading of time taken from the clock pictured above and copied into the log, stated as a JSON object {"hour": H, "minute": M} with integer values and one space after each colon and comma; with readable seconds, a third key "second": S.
{"hour": 1, "minute": 7}
